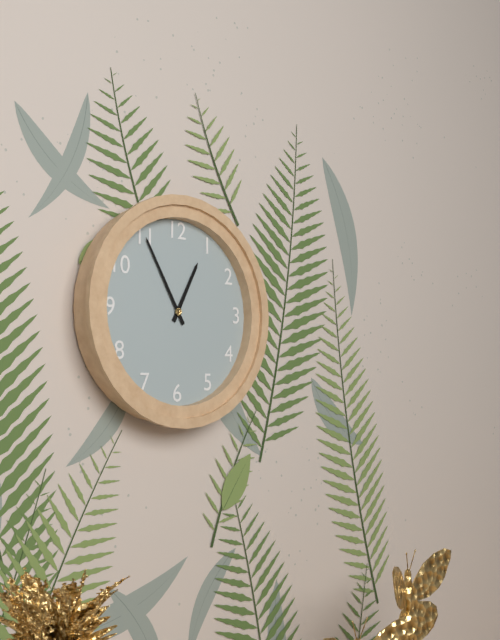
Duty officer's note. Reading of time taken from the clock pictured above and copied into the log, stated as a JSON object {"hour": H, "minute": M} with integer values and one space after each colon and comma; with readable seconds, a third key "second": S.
{"hour": 12, "minute": 55}
